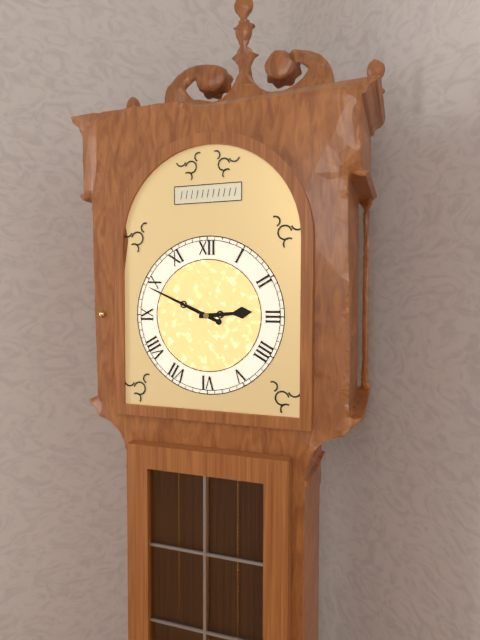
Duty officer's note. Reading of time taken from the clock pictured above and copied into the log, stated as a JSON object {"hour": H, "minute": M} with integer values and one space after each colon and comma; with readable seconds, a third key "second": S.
{"hour": 2, "minute": 49}
